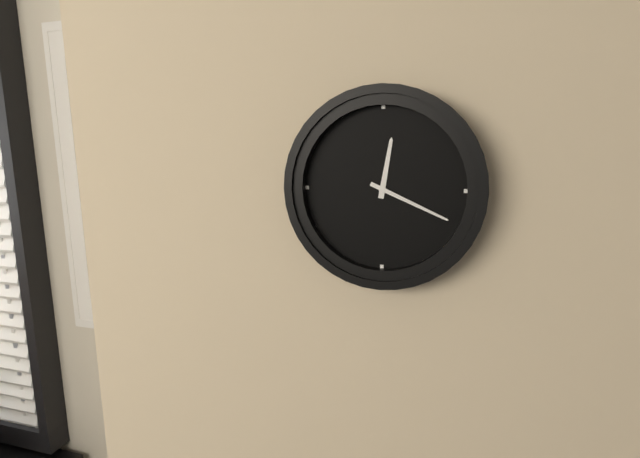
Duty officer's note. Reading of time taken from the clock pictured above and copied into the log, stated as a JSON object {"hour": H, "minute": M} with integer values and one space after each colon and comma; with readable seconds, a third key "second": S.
{"hour": 12, "minute": 19}
